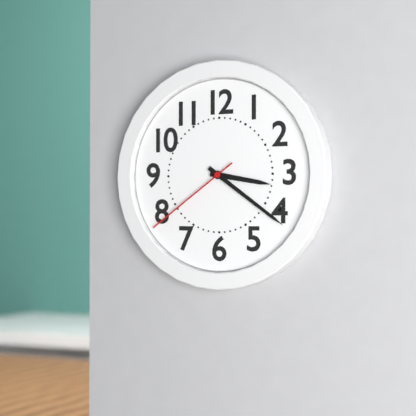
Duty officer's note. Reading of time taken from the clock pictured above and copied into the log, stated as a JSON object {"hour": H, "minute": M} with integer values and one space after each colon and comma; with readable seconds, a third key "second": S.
{"hour": 3, "minute": 21, "second": 39}
